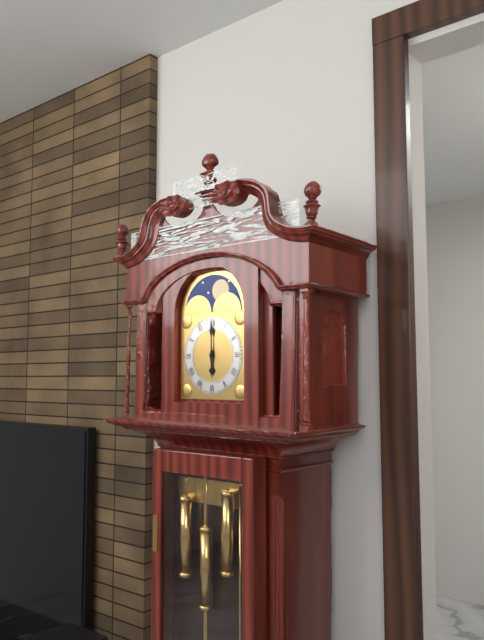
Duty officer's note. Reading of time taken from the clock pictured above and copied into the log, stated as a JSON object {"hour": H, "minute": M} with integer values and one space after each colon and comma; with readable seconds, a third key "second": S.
{"hour": 6, "minute": 0}
